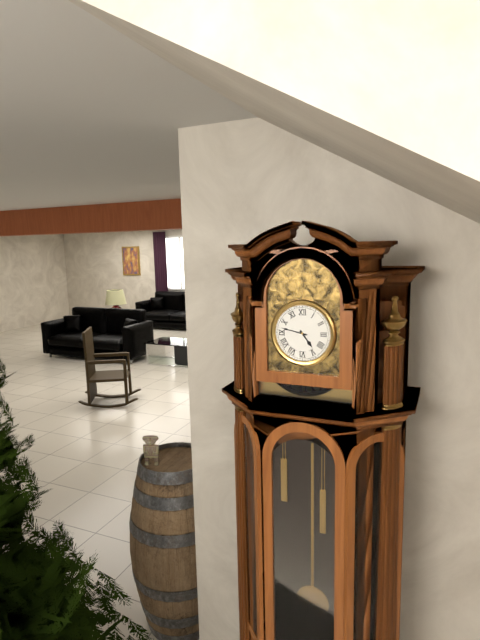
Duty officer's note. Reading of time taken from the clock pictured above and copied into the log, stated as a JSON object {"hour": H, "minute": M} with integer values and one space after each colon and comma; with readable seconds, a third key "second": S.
{"hour": 4, "minute": 47}
